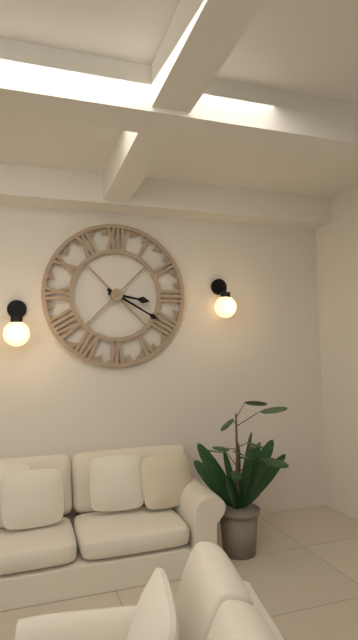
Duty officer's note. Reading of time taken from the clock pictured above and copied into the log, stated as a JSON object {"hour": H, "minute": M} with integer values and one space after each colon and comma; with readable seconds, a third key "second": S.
{"hour": 3, "minute": 20}
